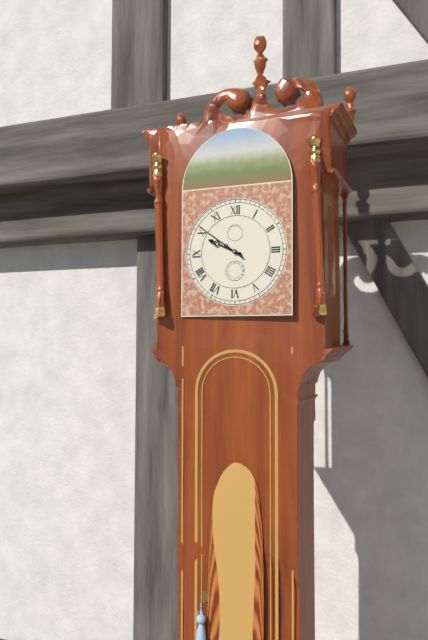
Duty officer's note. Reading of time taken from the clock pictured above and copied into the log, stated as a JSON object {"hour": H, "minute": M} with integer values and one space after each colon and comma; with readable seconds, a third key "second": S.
{"hour": 9, "minute": 51}
